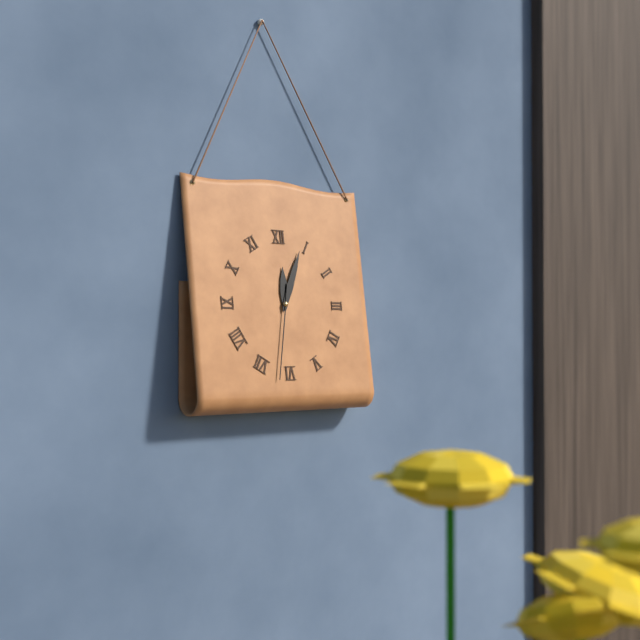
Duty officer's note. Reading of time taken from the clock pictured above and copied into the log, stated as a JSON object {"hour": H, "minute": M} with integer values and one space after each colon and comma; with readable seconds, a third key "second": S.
{"hour": 12, "minute": 4, "second": 32}
